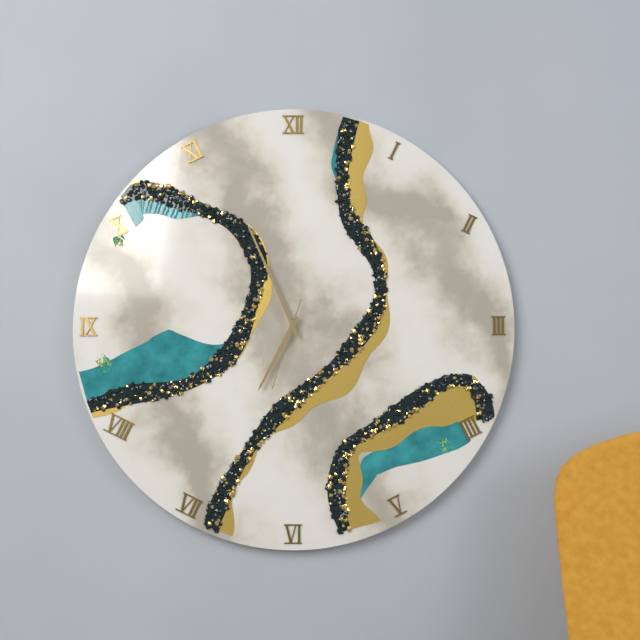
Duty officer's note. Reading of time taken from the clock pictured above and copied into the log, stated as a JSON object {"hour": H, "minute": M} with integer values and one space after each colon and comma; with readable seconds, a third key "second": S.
{"hour": 6, "minute": 56, "second": 33}
